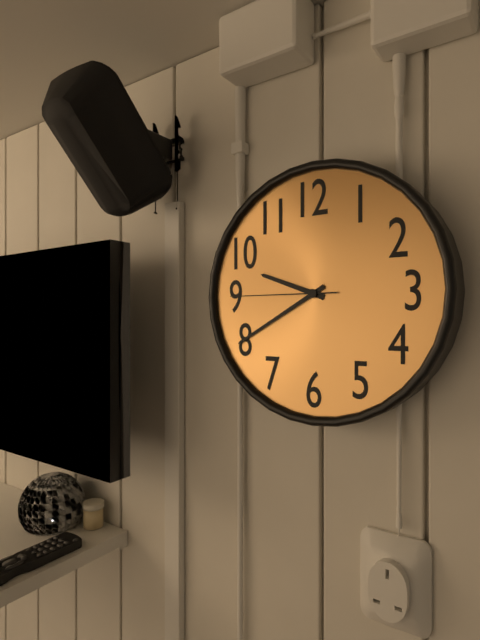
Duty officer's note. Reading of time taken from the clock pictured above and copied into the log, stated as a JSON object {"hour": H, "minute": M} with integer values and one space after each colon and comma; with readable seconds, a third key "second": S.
{"hour": 9, "minute": 40, "second": 45}
